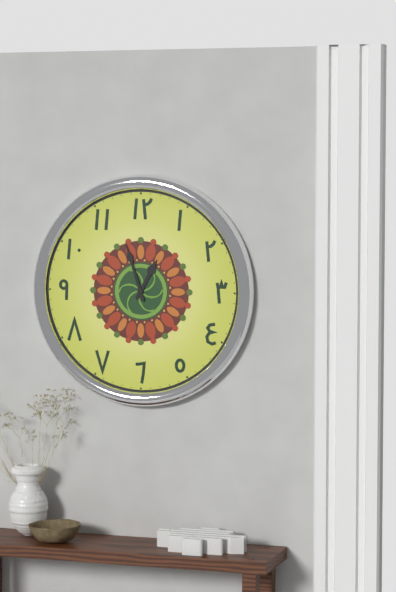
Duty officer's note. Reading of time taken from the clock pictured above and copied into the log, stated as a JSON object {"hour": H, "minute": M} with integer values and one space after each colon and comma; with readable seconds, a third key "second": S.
{"hour": 12, "minute": 57}
